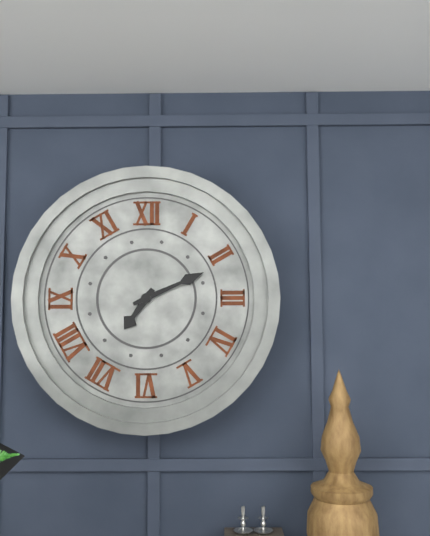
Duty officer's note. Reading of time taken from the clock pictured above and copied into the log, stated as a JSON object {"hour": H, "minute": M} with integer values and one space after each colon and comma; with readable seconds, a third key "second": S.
{"hour": 7, "minute": 11}
